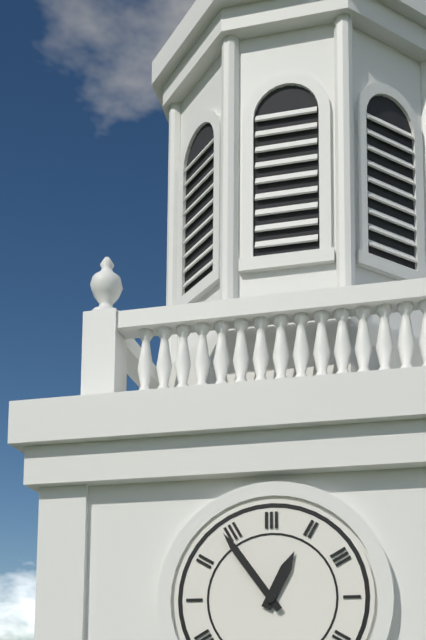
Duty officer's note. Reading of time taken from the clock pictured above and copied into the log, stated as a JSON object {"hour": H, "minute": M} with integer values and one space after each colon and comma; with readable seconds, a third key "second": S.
{"hour": 12, "minute": 54}
